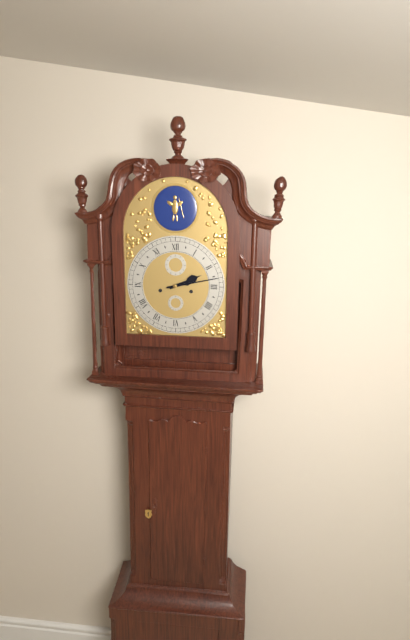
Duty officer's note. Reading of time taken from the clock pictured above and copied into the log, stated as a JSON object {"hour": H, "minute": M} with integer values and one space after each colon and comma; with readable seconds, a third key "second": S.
{"hour": 2, "minute": 13}
